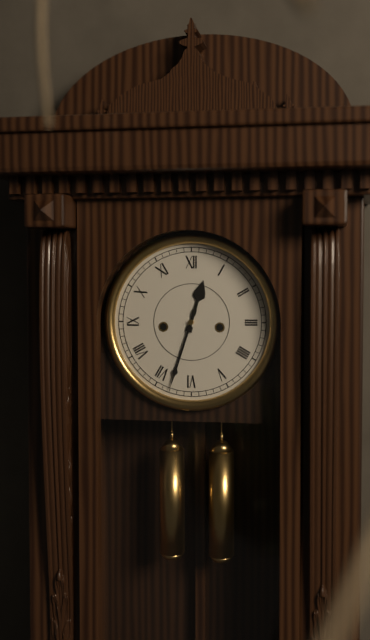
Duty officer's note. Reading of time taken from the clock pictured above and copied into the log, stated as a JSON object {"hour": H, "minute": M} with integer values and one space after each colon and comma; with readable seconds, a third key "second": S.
{"hour": 12, "minute": 33}
